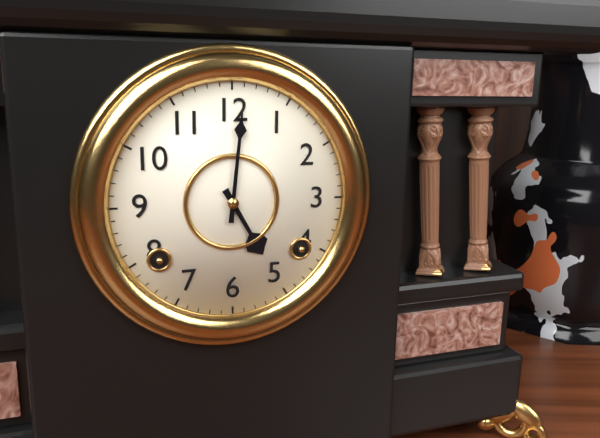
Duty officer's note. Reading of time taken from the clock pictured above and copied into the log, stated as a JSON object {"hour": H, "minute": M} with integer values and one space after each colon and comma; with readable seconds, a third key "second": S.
{"hour": 5, "minute": 1}
